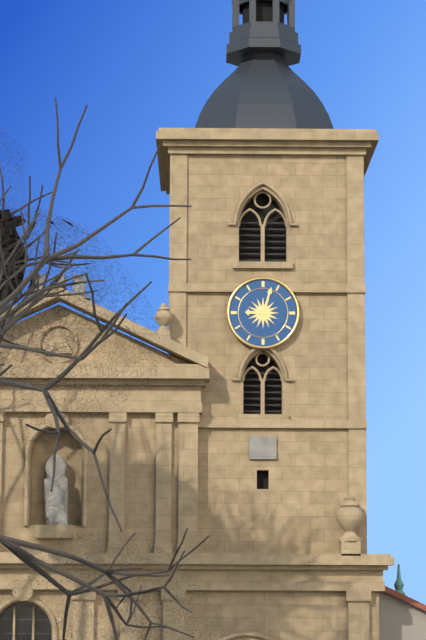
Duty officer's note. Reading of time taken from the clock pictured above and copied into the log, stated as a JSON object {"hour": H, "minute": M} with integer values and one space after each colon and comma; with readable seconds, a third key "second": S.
{"hour": 9, "minute": 3}
